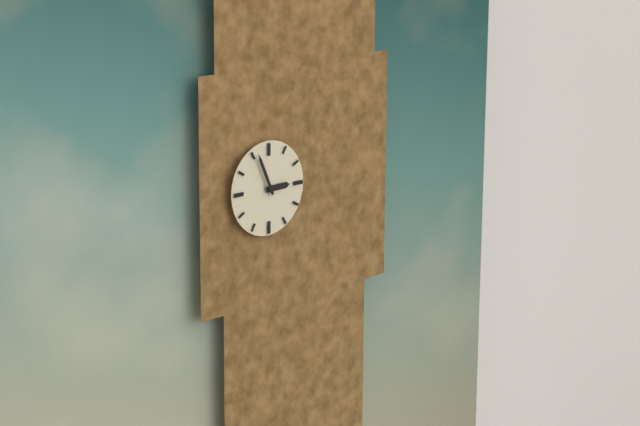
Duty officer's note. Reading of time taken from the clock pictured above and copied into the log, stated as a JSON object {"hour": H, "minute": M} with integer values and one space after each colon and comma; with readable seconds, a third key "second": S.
{"hour": 2, "minute": 56}
